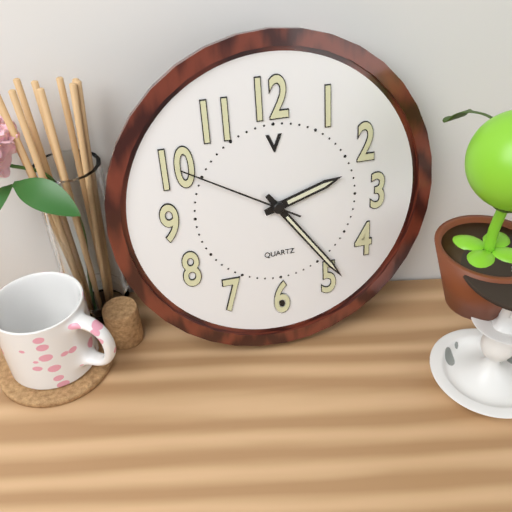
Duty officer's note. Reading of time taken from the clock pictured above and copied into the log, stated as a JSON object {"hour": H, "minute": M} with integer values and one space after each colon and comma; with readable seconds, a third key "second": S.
{"hour": 2, "minute": 24, "second": 50}
